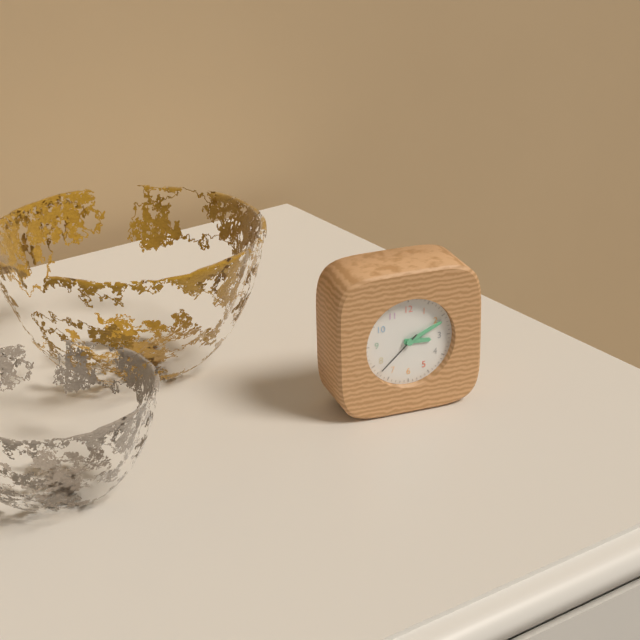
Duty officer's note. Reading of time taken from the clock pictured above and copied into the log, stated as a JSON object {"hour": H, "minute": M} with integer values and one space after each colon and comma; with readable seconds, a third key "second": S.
{"hour": 3, "minute": 11, "second": 38}
